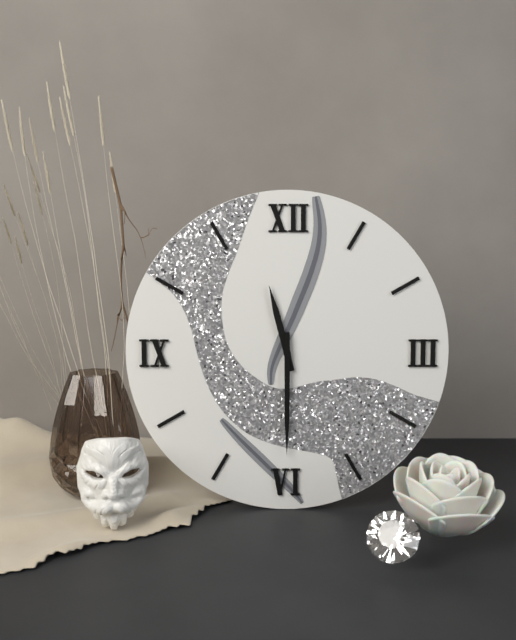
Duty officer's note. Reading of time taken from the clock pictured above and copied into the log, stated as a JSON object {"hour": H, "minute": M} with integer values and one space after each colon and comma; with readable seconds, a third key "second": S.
{"hour": 11, "minute": 30}
